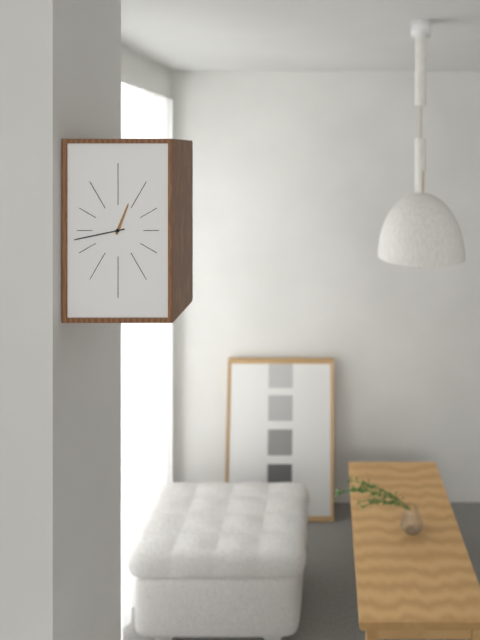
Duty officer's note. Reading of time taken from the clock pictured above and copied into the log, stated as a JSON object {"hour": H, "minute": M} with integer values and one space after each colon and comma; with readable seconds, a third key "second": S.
{"hour": 12, "minute": 43}
